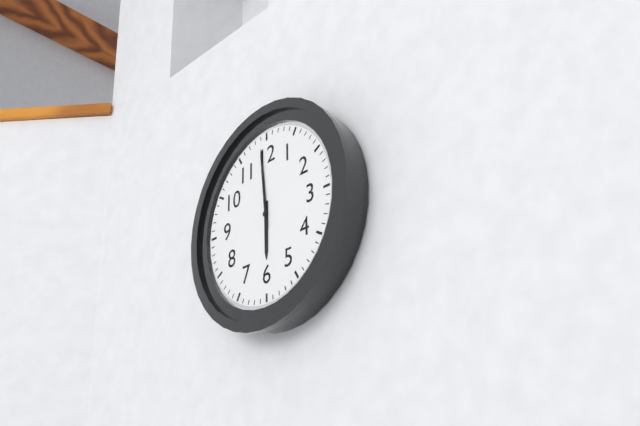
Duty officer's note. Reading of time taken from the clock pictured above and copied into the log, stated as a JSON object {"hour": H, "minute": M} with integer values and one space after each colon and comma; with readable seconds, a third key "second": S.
{"hour": 5, "minute": 59}
